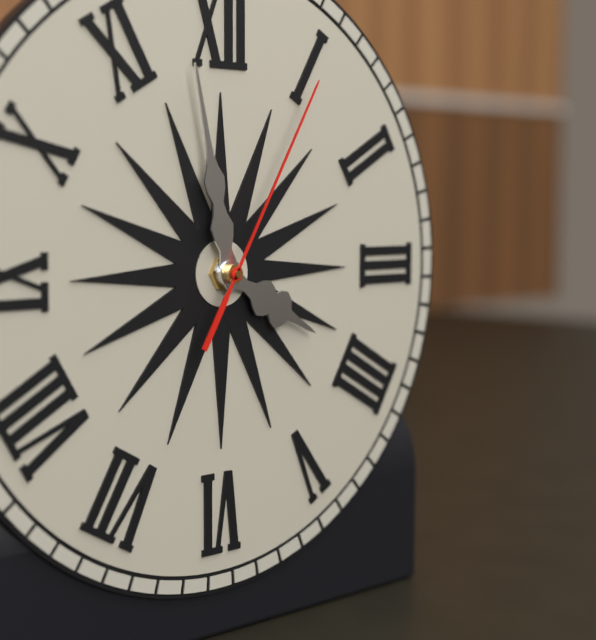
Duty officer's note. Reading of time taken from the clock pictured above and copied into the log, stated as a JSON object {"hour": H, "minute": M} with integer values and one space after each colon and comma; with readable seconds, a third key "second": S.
{"hour": 3, "minute": 58, "second": 5}
